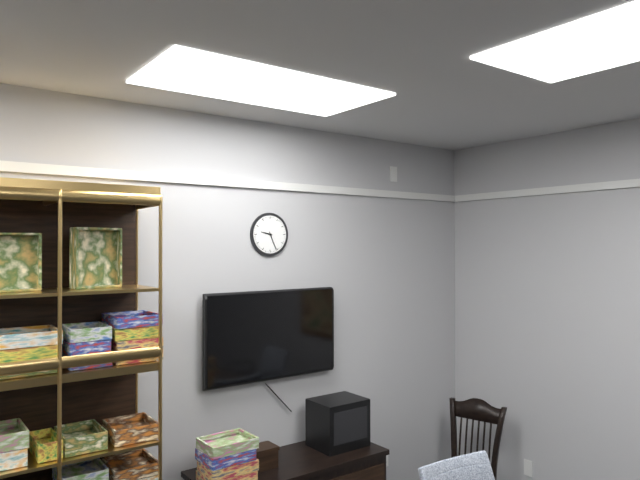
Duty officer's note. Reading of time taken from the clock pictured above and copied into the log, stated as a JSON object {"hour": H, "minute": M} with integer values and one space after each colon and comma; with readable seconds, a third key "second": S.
{"hour": 9, "minute": 26}
